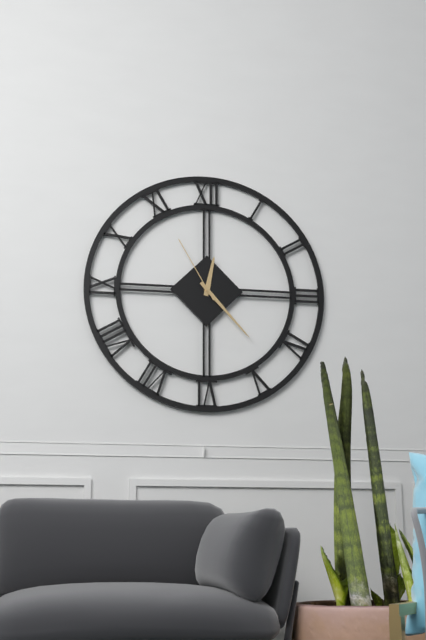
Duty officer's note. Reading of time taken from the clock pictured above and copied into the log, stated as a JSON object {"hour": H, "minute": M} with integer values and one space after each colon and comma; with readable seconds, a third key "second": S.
{"hour": 12, "minute": 23, "second": 55}
